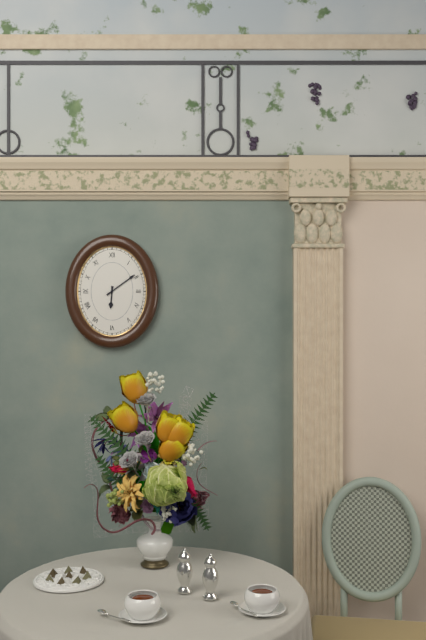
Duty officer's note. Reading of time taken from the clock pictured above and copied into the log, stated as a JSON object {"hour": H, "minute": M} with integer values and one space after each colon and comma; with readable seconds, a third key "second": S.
{"hour": 6, "minute": 9}
